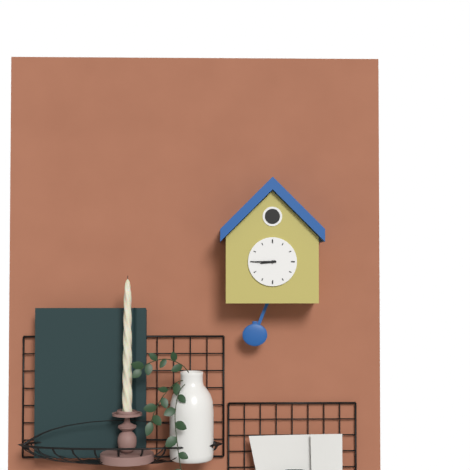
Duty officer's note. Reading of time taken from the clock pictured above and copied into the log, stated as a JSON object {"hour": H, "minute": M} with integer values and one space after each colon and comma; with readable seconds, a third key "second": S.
{"hour": 8, "minute": 45}
